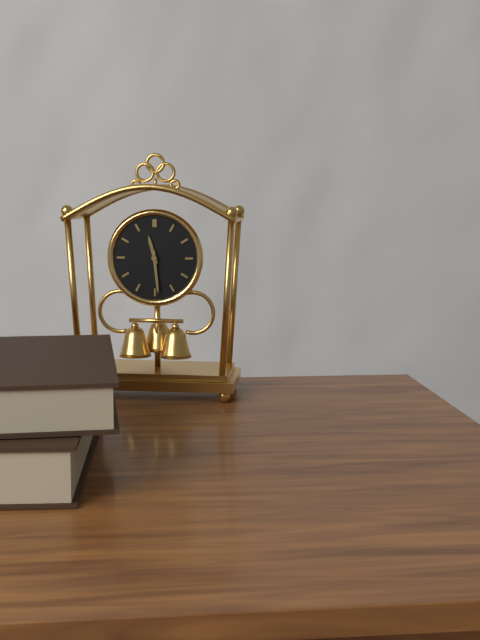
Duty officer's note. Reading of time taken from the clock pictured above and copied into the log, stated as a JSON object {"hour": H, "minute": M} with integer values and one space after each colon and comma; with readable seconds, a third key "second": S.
{"hour": 11, "minute": 29}
